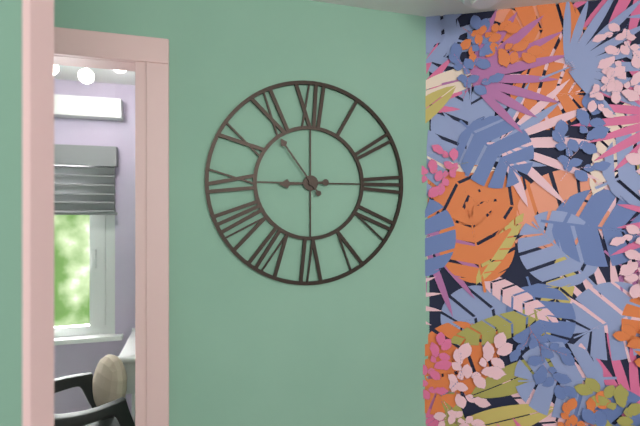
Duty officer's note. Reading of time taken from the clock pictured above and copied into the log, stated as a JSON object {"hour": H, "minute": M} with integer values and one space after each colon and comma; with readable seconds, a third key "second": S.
{"hour": 8, "minute": 54}
